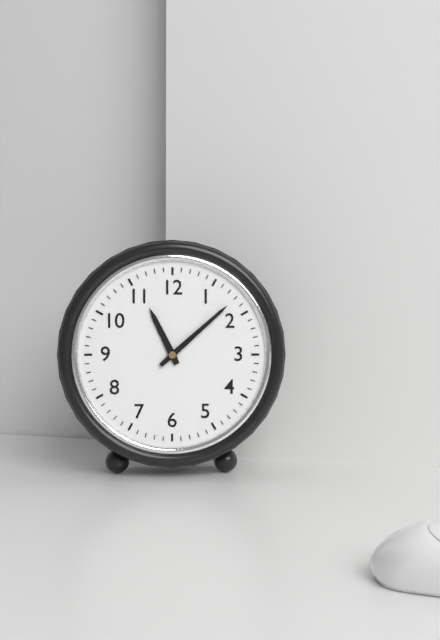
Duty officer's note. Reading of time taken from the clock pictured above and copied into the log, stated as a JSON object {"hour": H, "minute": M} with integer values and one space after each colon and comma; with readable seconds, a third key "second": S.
{"hour": 11, "minute": 8}
